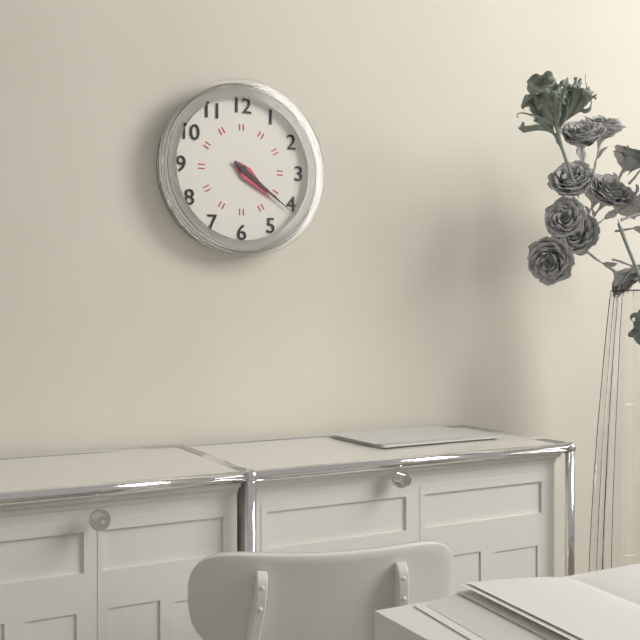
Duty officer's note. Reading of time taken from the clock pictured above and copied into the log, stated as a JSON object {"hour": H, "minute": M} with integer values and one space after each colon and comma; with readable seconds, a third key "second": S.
{"hour": 4, "minute": 21}
